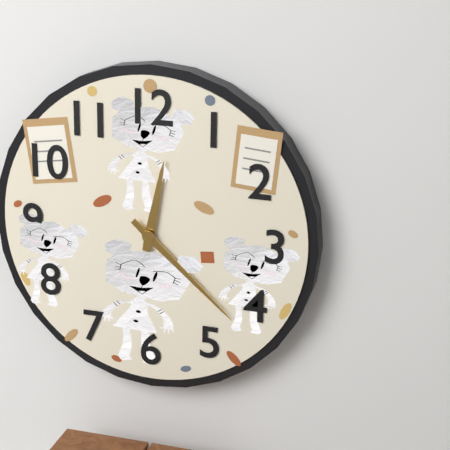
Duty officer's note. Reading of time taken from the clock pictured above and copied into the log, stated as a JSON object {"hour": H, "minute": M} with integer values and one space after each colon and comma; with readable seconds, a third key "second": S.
{"hour": 12, "minute": 22}
